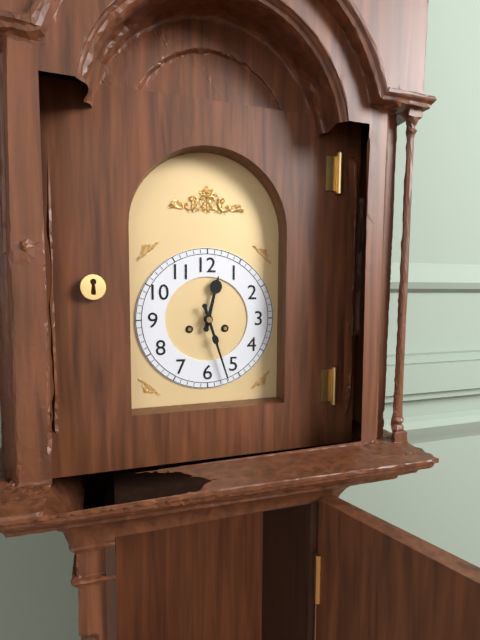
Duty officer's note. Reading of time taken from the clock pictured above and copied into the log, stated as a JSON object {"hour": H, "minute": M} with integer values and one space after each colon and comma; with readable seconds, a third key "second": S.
{"hour": 12, "minute": 27}
